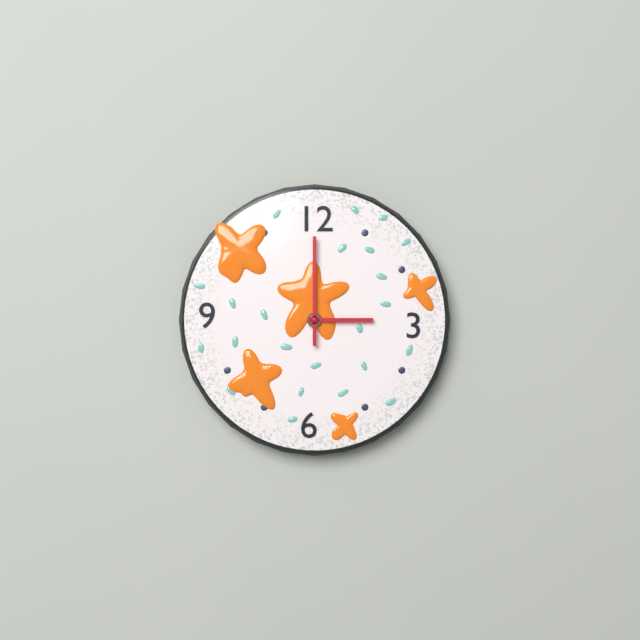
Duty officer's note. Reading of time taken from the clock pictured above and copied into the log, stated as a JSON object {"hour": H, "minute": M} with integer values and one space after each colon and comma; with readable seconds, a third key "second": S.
{"hour": 3, "minute": 0}
